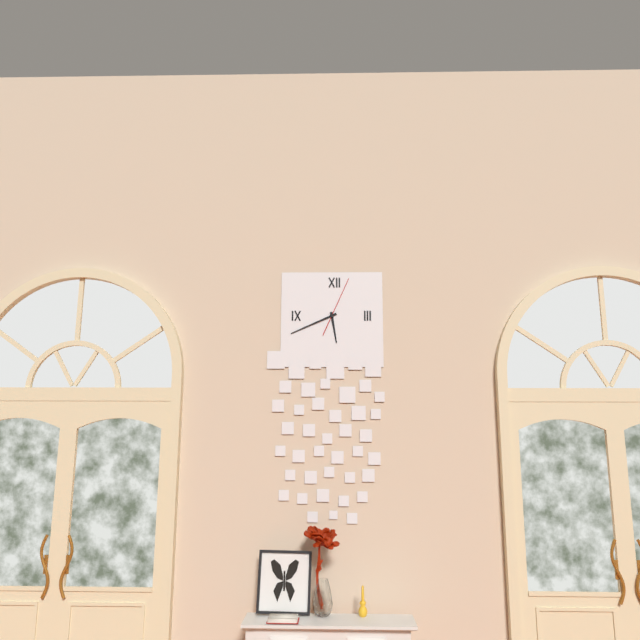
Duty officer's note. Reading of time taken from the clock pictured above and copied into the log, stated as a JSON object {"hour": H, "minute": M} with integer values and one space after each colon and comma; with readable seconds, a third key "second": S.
{"hour": 5, "minute": 41, "second": 4}
